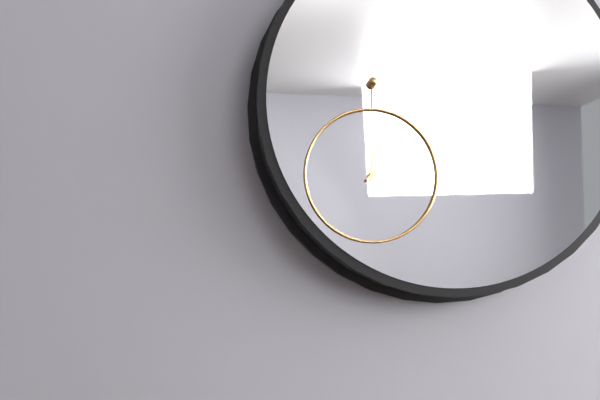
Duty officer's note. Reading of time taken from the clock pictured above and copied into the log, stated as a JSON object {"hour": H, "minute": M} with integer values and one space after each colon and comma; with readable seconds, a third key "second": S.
{"hour": 12, "minute": 7}
